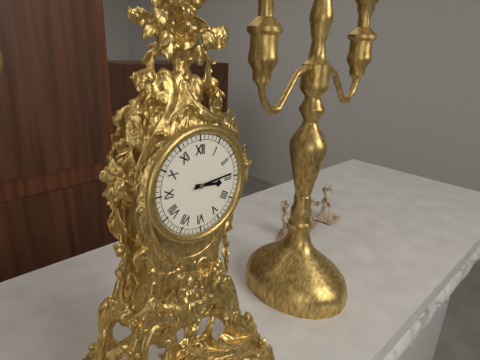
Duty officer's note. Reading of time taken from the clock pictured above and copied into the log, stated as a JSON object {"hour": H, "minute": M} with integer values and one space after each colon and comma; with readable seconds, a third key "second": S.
{"hour": 3, "minute": 14}
